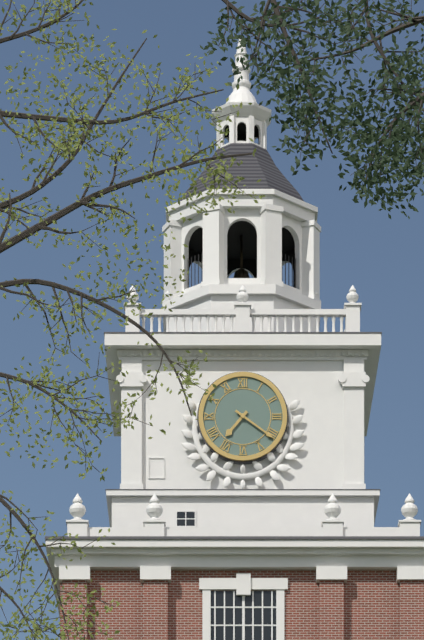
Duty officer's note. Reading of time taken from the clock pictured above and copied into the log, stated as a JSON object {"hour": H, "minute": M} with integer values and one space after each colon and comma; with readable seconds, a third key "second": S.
{"hour": 7, "minute": 21}
